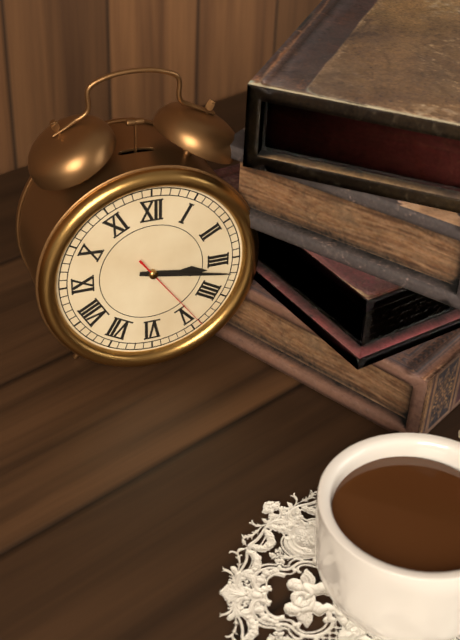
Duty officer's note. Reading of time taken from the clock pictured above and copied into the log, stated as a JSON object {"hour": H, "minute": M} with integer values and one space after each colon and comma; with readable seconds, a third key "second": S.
{"hour": 3, "minute": 17, "second": 24}
